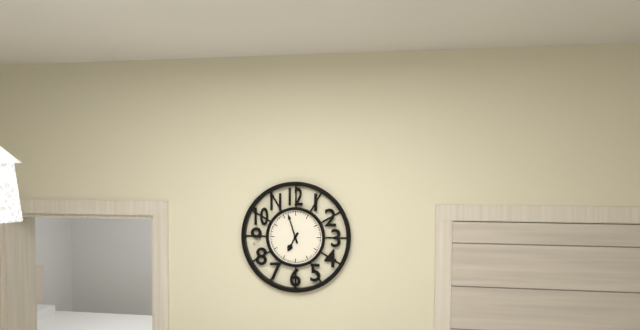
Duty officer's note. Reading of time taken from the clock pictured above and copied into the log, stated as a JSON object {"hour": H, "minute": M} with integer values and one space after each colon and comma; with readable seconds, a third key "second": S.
{"hour": 6, "minute": 57}
